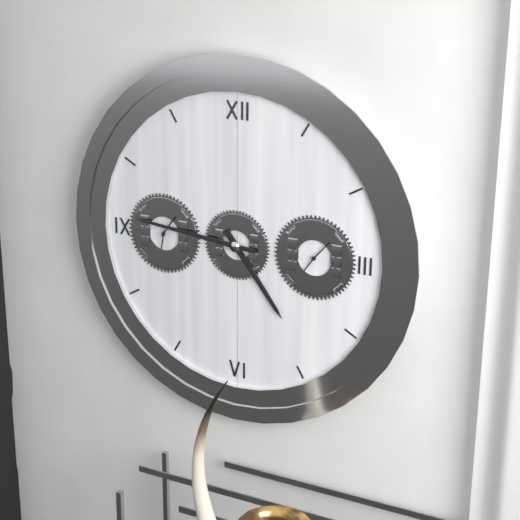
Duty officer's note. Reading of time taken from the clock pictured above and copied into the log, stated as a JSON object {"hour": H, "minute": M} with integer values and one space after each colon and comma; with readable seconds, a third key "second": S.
{"hour": 4, "minute": 46}
